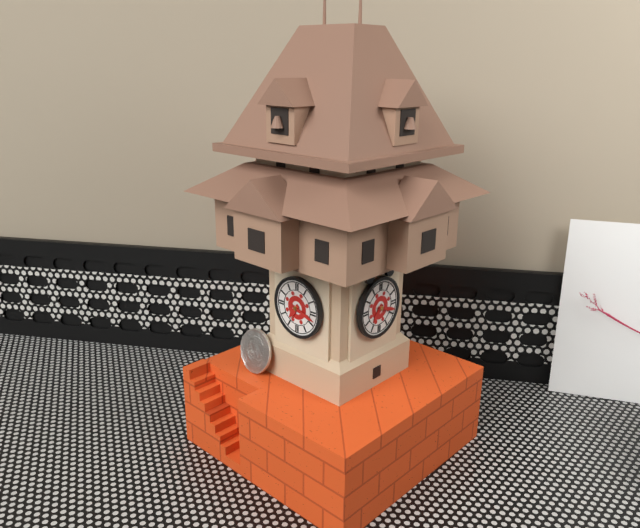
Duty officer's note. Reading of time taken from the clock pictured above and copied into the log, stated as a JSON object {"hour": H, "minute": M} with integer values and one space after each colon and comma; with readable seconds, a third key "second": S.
{"hour": 7, "minute": 18}
